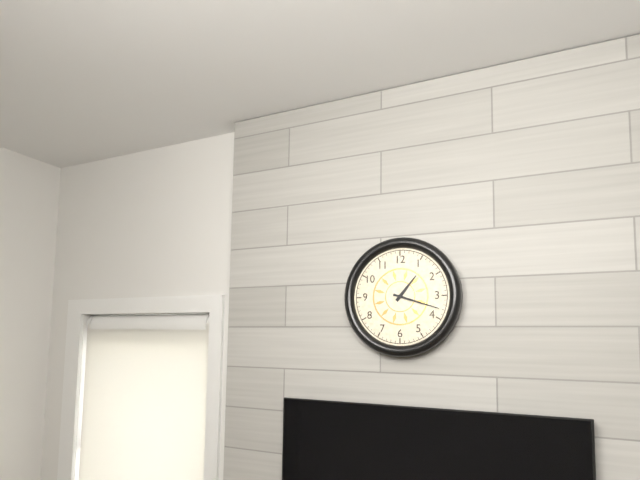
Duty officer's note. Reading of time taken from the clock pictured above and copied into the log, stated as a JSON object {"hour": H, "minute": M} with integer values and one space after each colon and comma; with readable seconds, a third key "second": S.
{"hour": 1, "minute": 18}
